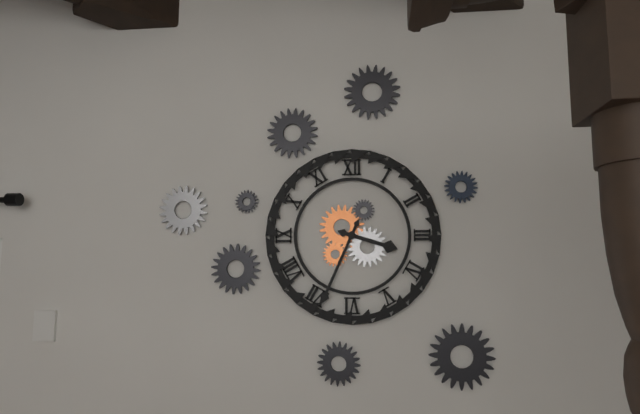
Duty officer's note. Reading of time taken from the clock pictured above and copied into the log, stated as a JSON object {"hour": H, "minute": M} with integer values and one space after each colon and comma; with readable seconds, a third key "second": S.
{"hour": 3, "minute": 34}
